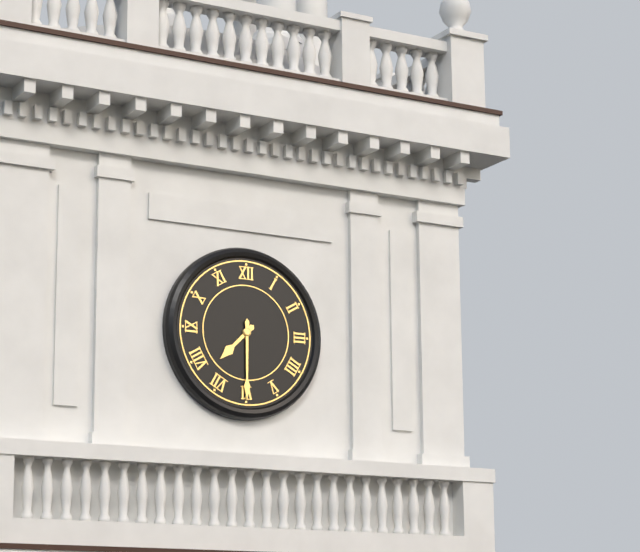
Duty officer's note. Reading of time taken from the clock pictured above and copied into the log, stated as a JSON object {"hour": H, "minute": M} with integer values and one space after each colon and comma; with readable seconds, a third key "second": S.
{"hour": 7, "minute": 30}
